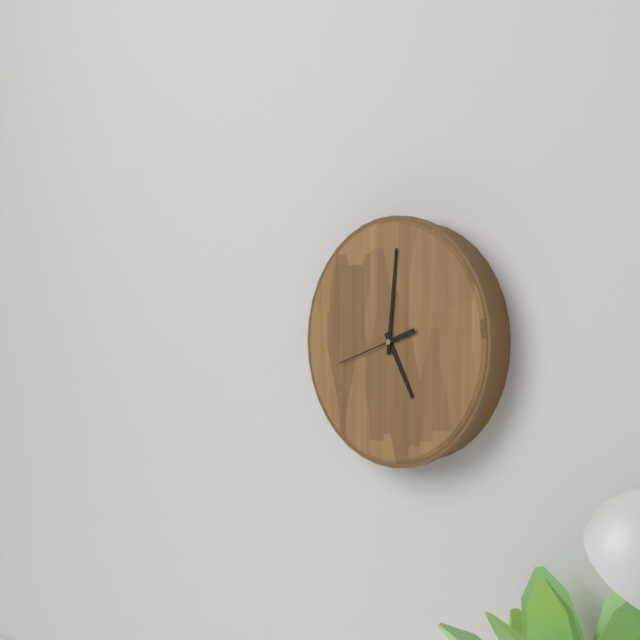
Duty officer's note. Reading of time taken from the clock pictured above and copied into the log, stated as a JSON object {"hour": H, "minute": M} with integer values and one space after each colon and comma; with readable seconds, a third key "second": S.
{"hour": 5, "minute": 1, "second": 42}
